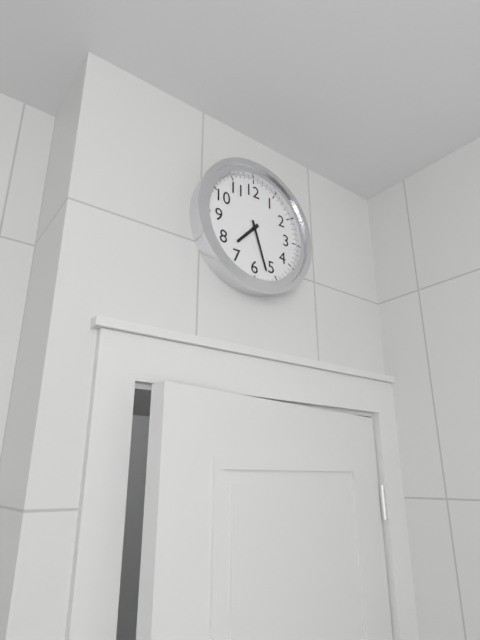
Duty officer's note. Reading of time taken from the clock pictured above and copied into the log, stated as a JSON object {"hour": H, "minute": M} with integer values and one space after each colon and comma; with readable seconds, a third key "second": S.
{"hour": 7, "minute": 27}
